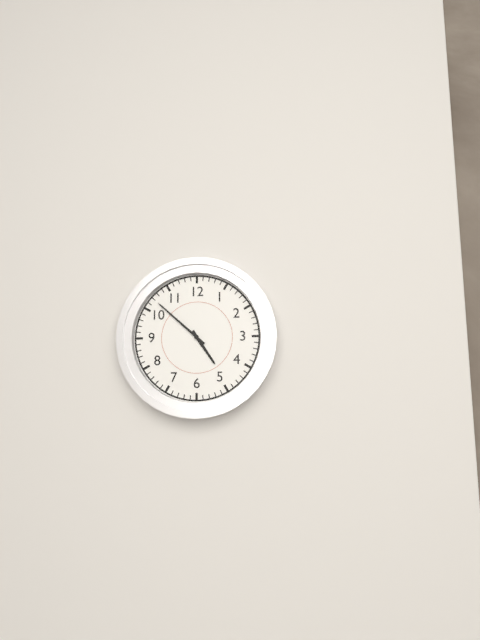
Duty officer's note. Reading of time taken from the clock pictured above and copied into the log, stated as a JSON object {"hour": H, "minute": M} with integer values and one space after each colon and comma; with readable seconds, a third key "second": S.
{"hour": 4, "minute": 52}
